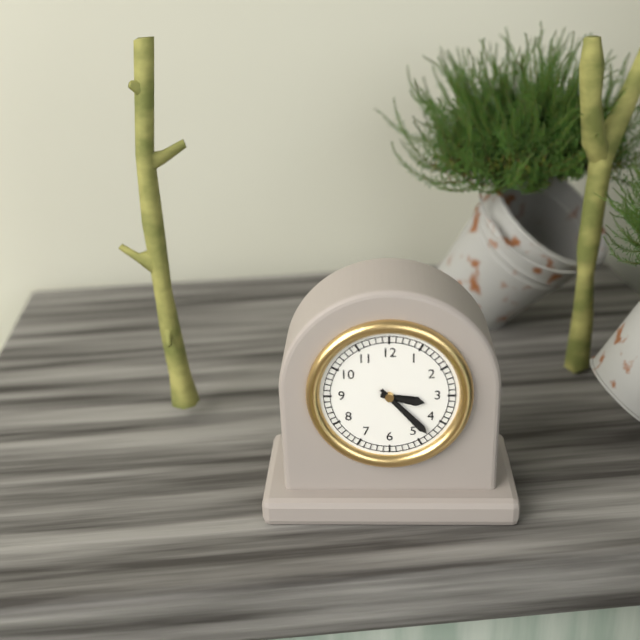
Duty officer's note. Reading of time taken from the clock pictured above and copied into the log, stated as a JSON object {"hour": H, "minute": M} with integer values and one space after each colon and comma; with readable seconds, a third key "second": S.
{"hour": 3, "minute": 23}
